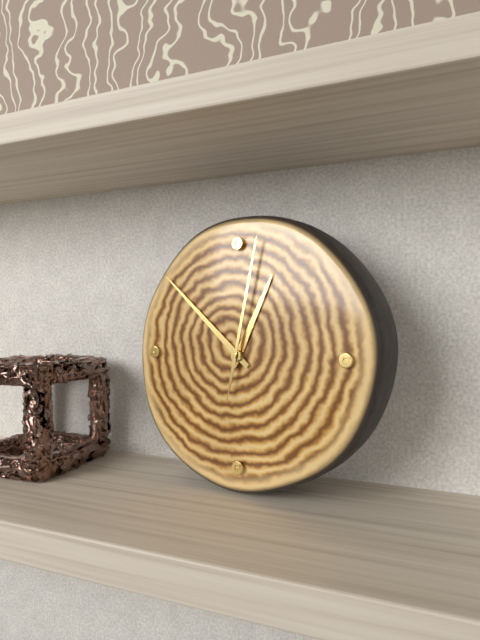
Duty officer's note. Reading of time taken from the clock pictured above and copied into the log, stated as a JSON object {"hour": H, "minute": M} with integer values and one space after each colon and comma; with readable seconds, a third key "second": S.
{"hour": 12, "minute": 52, "second": 2}
